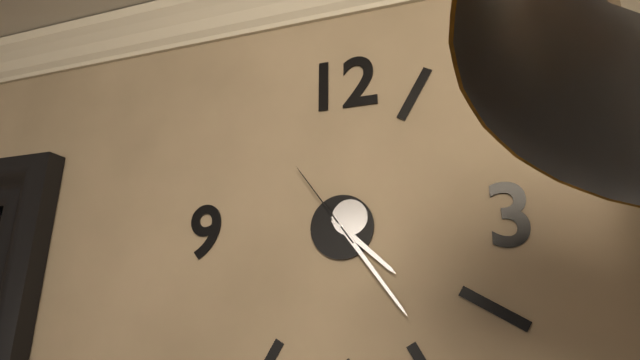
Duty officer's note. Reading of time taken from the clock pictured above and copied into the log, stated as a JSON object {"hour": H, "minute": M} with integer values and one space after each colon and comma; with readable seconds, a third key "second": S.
{"hour": 4, "minute": 24, "second": 54}
